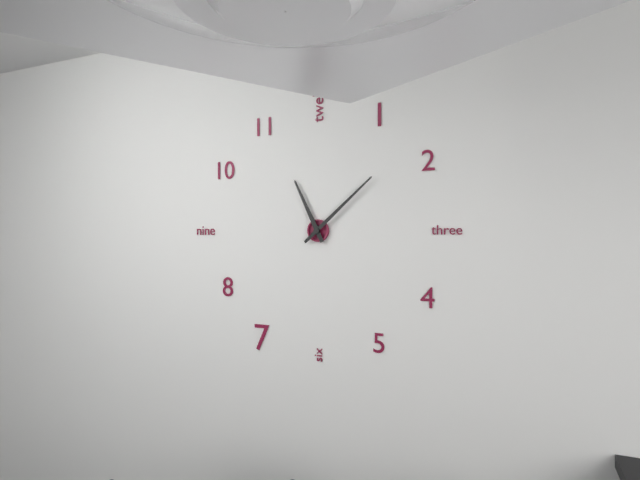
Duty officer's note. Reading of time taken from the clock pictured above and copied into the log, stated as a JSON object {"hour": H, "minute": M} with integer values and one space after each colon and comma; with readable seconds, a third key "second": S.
{"hour": 11, "minute": 8}
